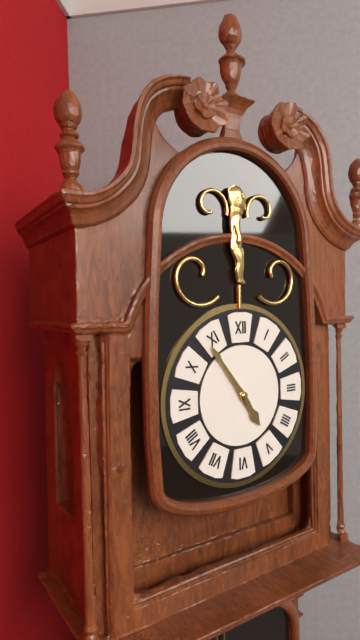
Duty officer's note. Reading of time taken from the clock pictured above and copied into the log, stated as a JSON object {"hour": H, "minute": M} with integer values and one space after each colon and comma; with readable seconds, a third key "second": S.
{"hour": 4, "minute": 54}
